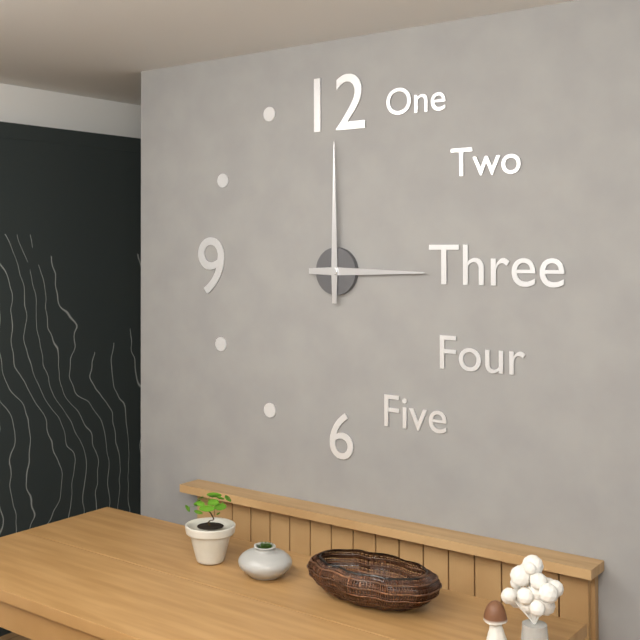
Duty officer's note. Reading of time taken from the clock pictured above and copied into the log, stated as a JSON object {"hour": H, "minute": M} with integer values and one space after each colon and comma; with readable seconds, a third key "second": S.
{"hour": 3, "minute": 0}
